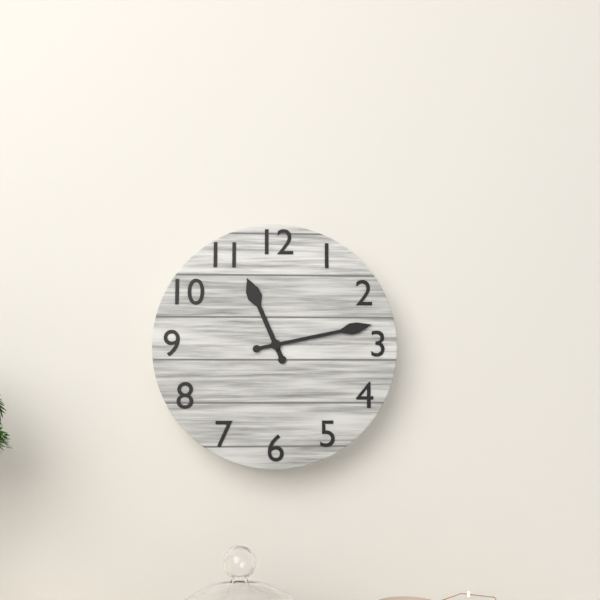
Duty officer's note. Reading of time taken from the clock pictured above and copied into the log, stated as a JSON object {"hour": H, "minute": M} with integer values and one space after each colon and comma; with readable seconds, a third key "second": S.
{"hour": 11, "minute": 13}
